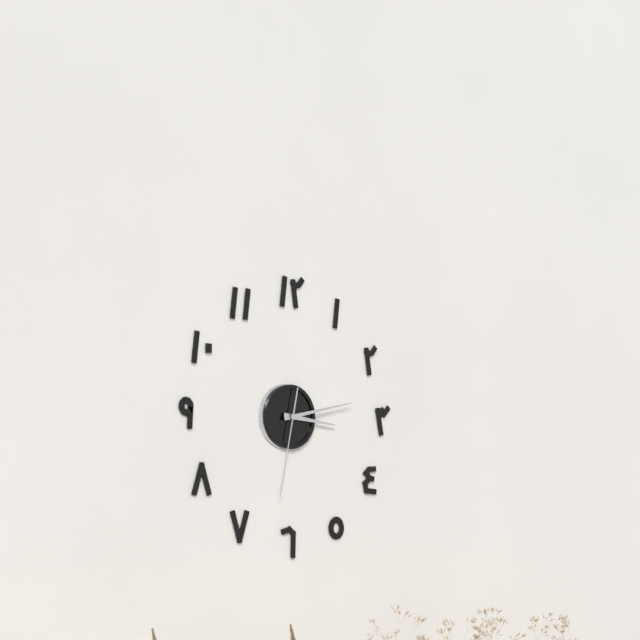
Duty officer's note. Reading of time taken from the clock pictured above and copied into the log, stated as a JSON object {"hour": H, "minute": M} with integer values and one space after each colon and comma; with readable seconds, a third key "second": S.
{"hour": 3, "minute": 13, "second": 32}
